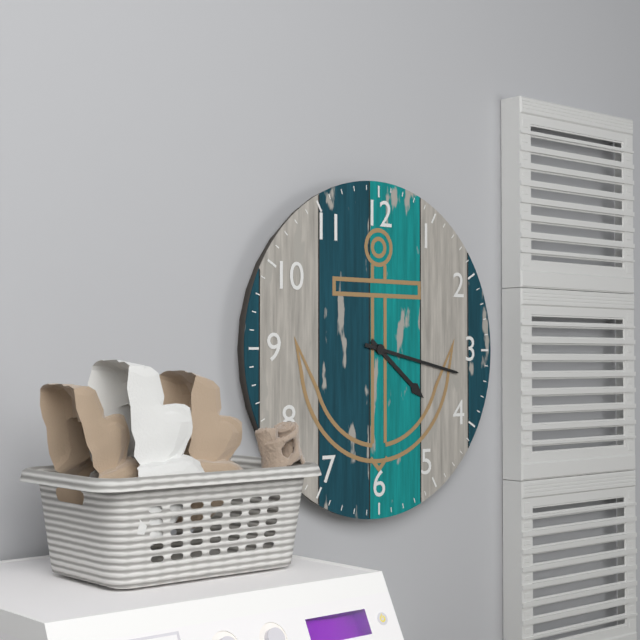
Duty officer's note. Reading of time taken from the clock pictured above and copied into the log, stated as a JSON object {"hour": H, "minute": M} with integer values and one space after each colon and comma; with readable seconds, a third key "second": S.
{"hour": 4, "minute": 17}
